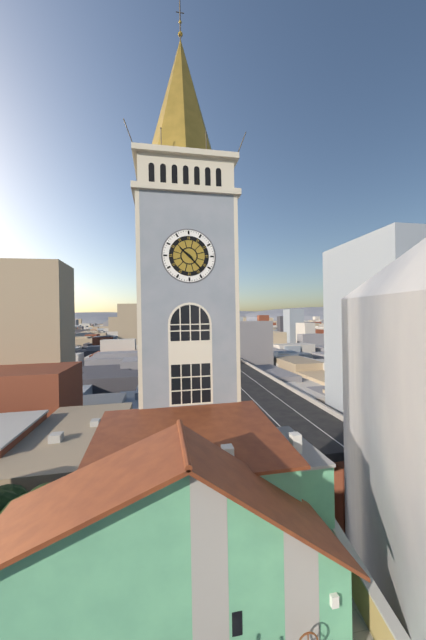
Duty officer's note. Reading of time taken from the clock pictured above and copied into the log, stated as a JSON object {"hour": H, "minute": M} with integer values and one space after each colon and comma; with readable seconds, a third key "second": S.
{"hour": 10, "minute": 23}
